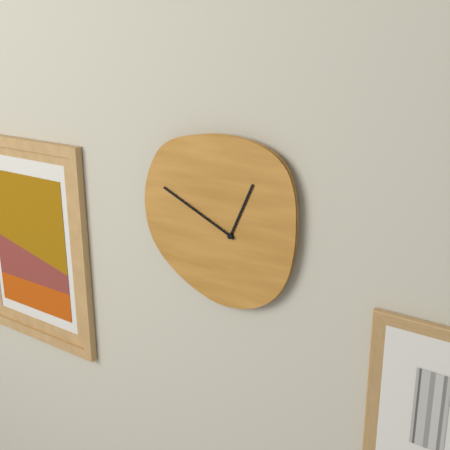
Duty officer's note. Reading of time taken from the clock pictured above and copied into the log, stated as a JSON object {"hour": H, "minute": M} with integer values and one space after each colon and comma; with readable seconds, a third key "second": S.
{"hour": 12, "minute": 49}
